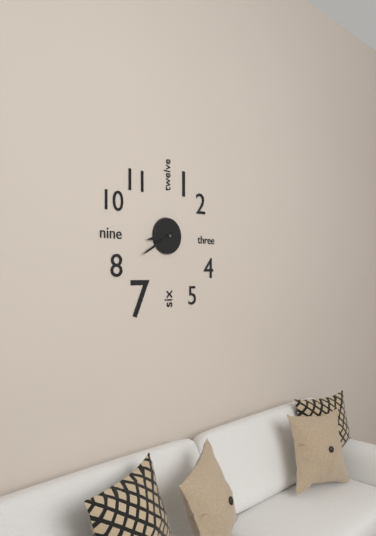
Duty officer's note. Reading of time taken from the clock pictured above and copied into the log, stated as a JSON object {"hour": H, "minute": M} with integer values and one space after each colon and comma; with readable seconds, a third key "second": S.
{"hour": 8, "minute": 40}
